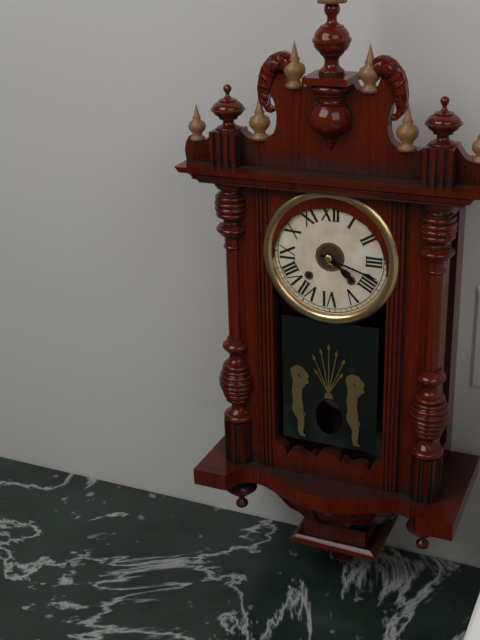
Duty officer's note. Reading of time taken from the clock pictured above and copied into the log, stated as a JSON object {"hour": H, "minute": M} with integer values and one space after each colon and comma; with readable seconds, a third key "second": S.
{"hour": 4, "minute": 18}
